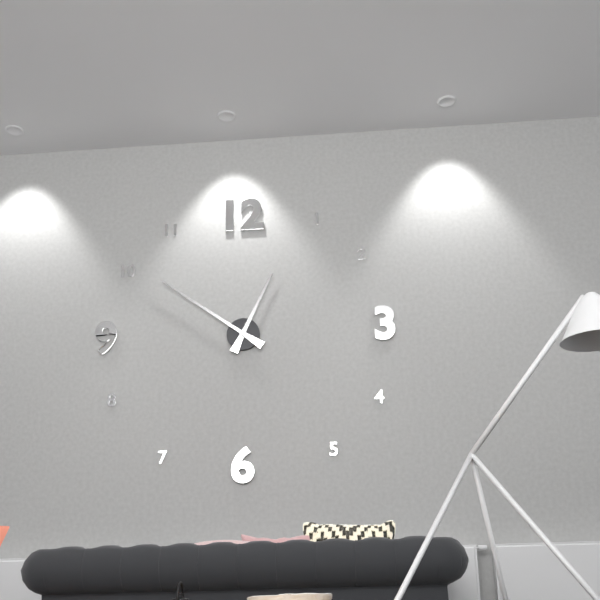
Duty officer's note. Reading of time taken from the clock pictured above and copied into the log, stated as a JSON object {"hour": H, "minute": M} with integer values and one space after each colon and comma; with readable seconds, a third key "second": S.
{"hour": 12, "minute": 51}
